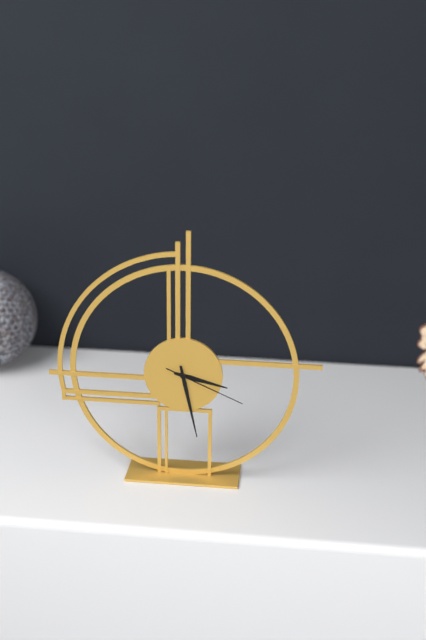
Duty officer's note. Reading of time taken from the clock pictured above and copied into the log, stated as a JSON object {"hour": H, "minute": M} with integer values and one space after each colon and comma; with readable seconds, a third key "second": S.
{"hour": 3, "minute": 28, "second": 19}
